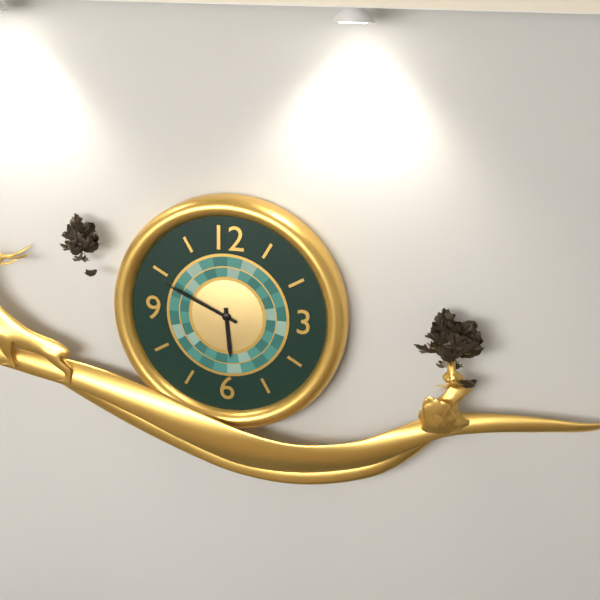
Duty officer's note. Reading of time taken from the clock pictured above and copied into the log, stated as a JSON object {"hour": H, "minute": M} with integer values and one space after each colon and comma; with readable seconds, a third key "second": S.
{"hour": 5, "minute": 49}
